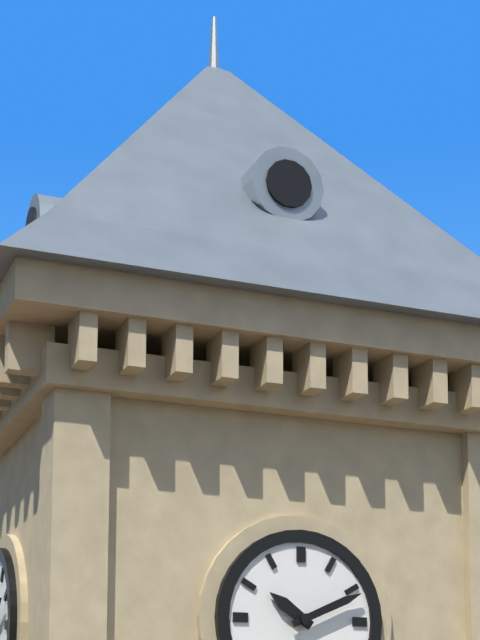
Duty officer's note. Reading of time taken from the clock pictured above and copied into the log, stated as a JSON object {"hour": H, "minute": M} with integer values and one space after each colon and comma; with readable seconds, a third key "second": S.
{"hour": 10, "minute": 11}
